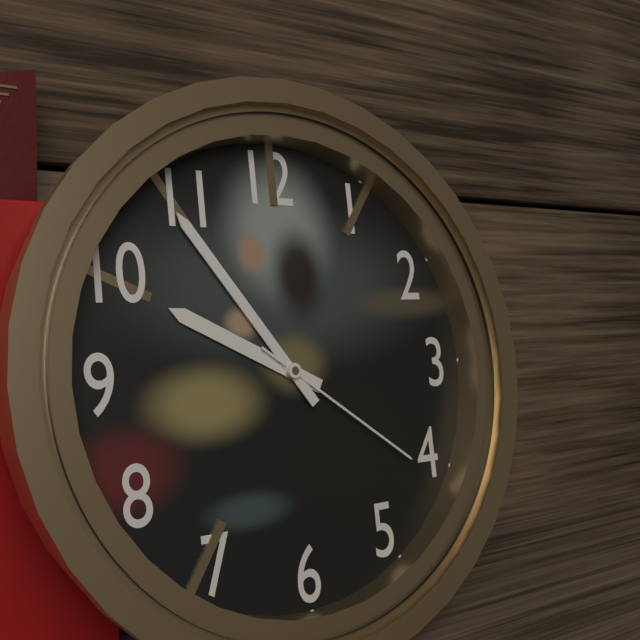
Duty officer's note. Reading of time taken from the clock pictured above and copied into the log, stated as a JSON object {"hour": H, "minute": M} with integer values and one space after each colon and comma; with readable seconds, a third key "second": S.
{"hour": 9, "minute": 54, "second": 21}
